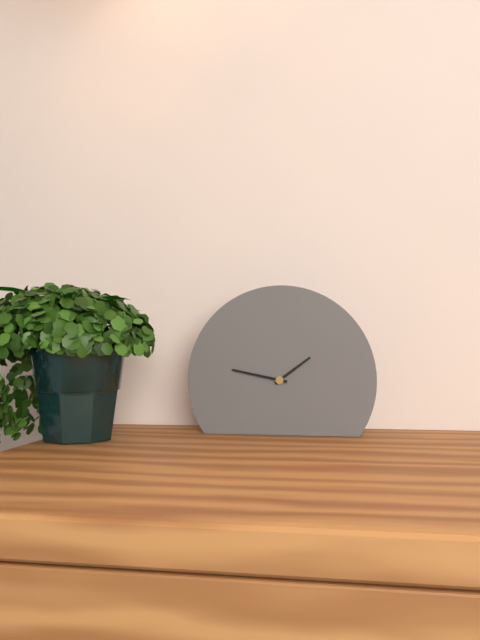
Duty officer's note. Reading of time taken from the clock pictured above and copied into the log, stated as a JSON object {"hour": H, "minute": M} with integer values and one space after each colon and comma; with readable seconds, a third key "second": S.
{"hour": 1, "minute": 47}
